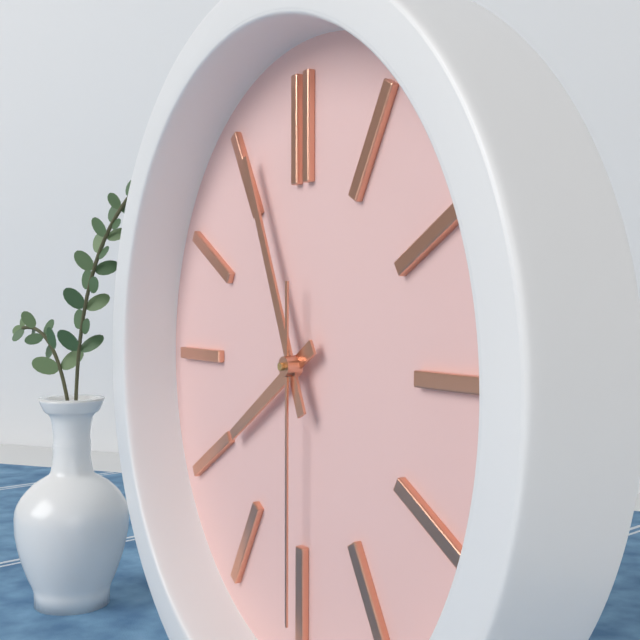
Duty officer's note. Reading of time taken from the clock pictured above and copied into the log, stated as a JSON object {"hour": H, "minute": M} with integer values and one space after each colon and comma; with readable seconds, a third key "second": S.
{"hour": 7, "minute": 56, "second": 30}
